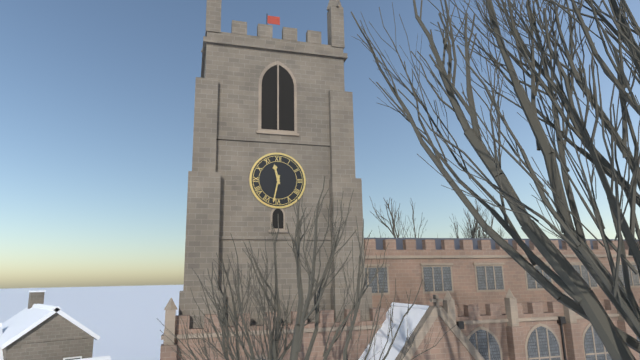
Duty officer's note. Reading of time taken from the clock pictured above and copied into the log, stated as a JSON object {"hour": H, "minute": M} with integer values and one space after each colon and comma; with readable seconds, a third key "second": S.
{"hour": 11, "minute": 32}
